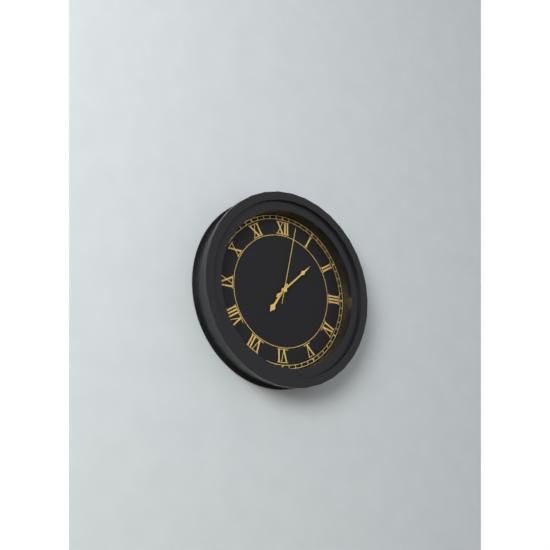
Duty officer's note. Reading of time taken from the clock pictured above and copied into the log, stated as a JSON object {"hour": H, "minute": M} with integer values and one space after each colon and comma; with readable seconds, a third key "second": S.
{"hour": 7, "minute": 8, "second": 2}
